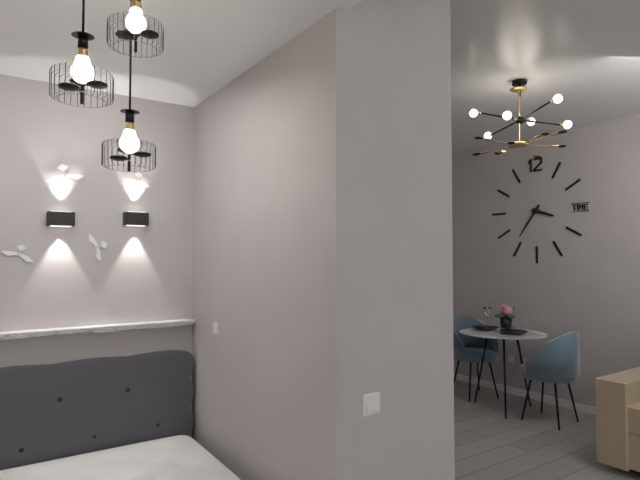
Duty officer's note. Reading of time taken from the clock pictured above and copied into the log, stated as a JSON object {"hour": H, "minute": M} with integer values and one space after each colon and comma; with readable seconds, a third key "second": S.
{"hour": 3, "minute": 36}
